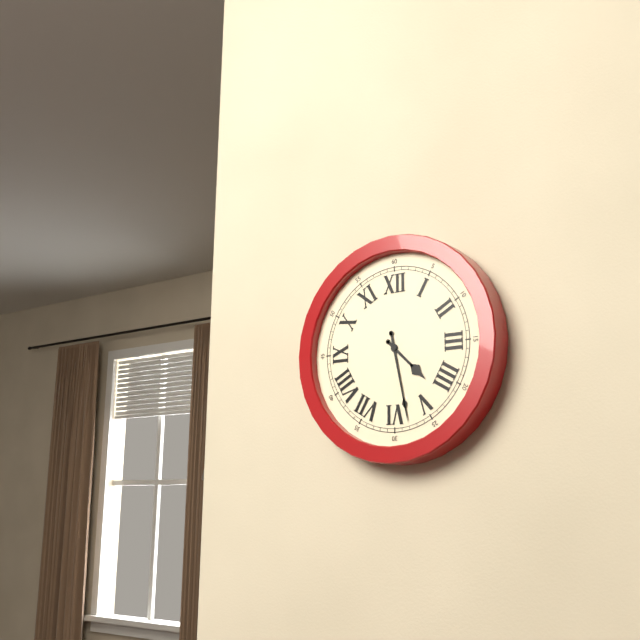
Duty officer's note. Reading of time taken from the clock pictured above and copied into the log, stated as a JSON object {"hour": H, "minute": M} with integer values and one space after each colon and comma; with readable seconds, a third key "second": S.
{"hour": 4, "minute": 28}
